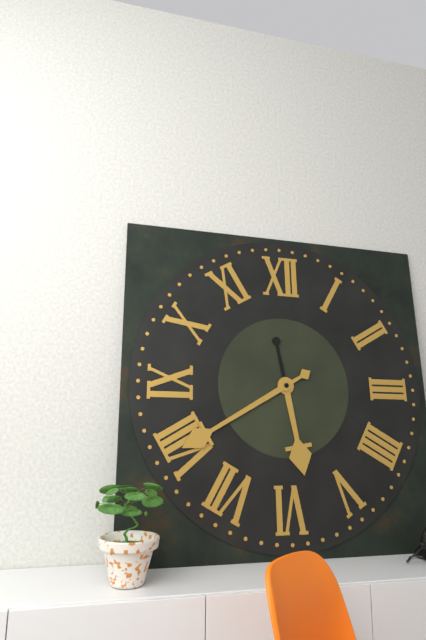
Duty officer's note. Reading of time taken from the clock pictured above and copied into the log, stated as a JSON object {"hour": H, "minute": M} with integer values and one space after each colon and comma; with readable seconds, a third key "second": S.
{"hour": 5, "minute": 40}
